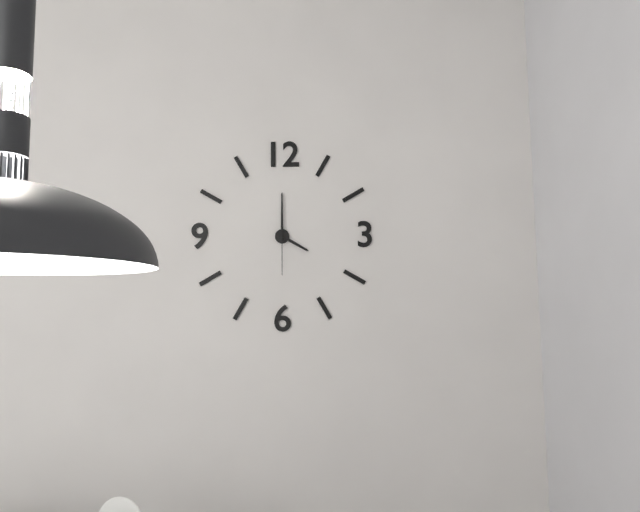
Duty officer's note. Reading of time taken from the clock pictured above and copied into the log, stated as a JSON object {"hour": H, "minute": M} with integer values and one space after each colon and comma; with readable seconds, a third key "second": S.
{"hour": 4, "minute": 0}
